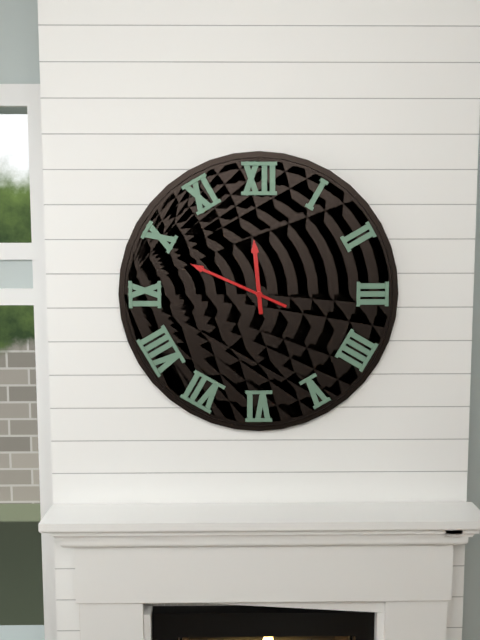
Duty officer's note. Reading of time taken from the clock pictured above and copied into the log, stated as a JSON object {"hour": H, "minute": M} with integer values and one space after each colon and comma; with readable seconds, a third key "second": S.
{"hour": 11, "minute": 49}
